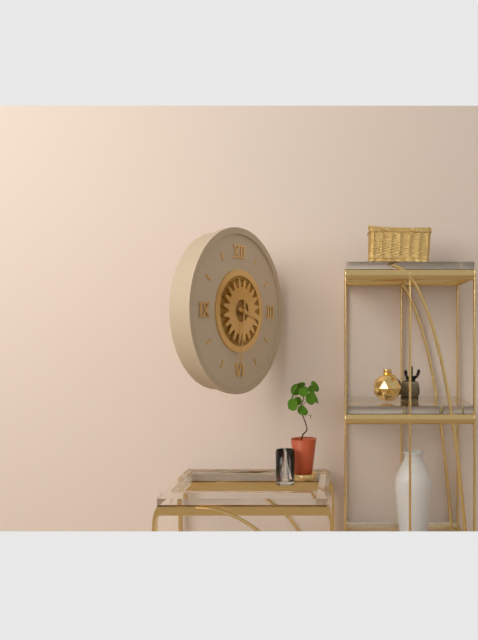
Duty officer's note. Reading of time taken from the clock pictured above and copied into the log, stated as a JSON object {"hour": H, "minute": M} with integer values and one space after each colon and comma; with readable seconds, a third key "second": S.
{"hour": 3, "minute": 31}
